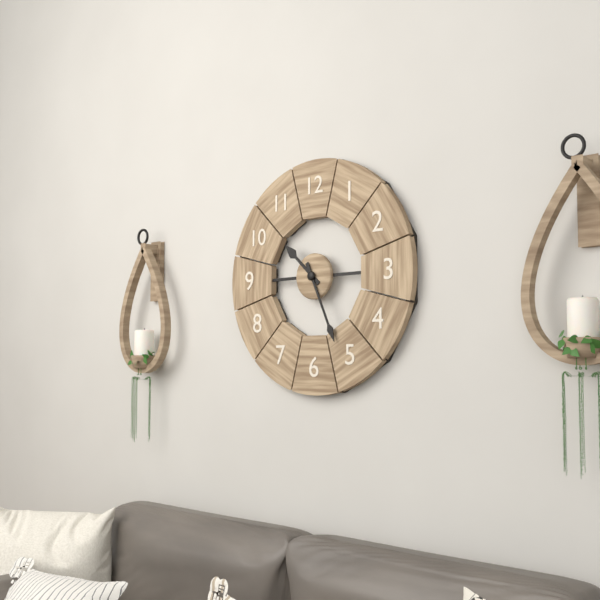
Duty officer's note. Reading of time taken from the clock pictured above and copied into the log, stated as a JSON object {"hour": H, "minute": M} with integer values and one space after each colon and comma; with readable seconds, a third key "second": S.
{"hour": 10, "minute": 26}
